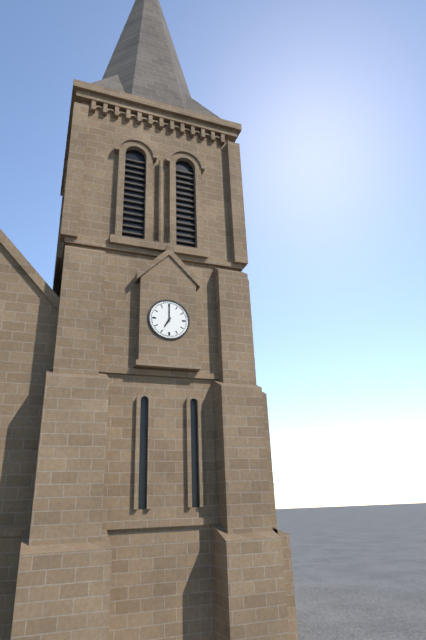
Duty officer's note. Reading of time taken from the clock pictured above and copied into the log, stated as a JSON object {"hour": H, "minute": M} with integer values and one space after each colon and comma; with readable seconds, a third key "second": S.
{"hour": 7, "minute": 0}
